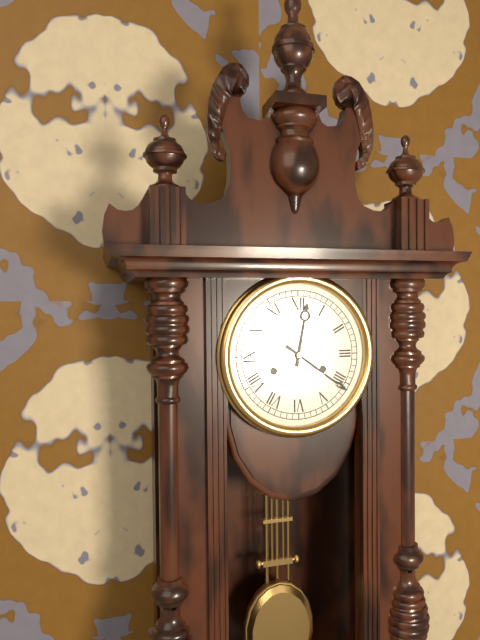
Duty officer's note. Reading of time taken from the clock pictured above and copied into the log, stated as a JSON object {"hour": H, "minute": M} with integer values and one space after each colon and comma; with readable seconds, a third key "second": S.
{"hour": 12, "minute": 21}
